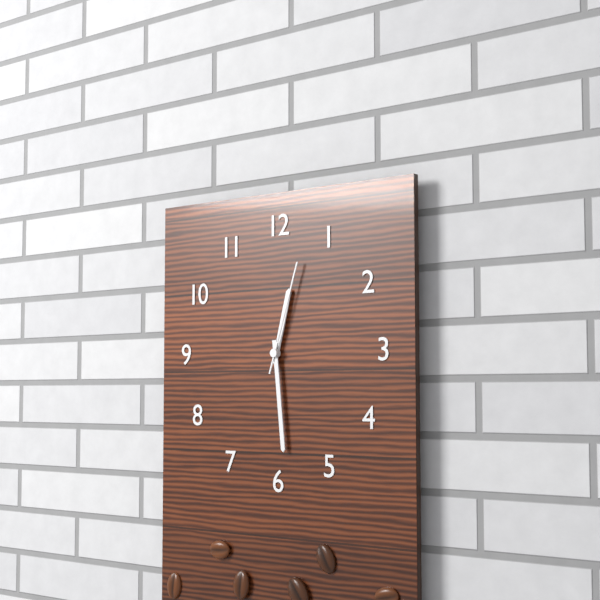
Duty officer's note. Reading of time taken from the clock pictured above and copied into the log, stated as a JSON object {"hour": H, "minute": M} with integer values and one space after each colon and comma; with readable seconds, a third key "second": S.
{"hour": 12, "minute": 29, "second": 3}
